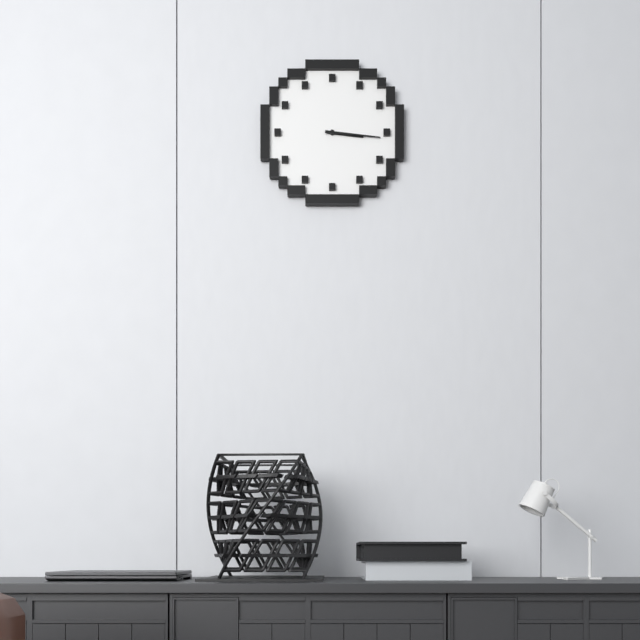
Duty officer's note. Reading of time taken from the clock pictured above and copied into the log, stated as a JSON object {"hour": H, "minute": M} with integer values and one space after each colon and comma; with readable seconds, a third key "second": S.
{"hour": 3, "minute": 16}
